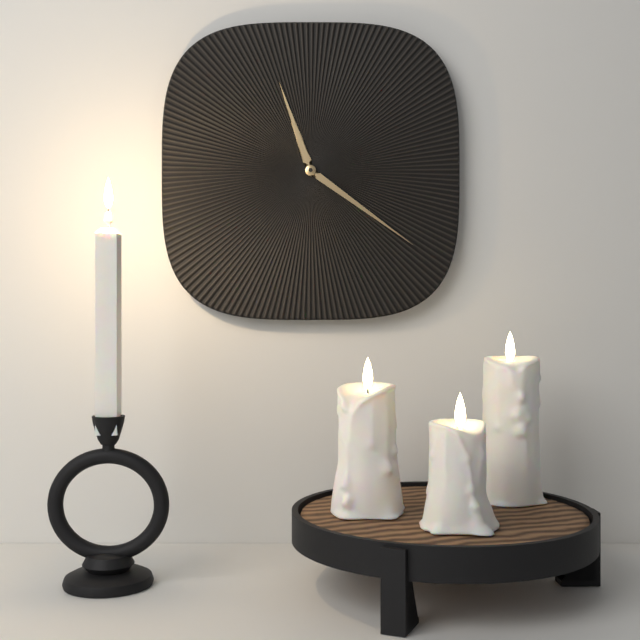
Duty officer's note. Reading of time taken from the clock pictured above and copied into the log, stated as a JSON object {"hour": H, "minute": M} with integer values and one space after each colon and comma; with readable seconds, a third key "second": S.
{"hour": 11, "minute": 21}
